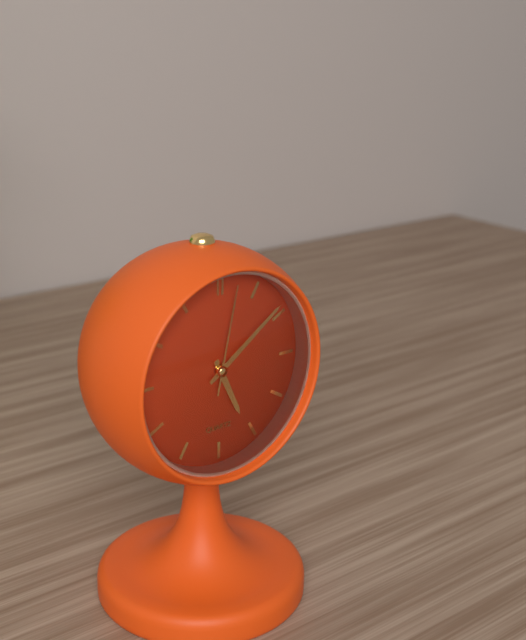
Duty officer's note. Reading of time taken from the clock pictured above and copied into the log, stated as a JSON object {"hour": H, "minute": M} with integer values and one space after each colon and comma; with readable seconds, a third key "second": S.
{"hour": 5, "minute": 9, "second": 2}
